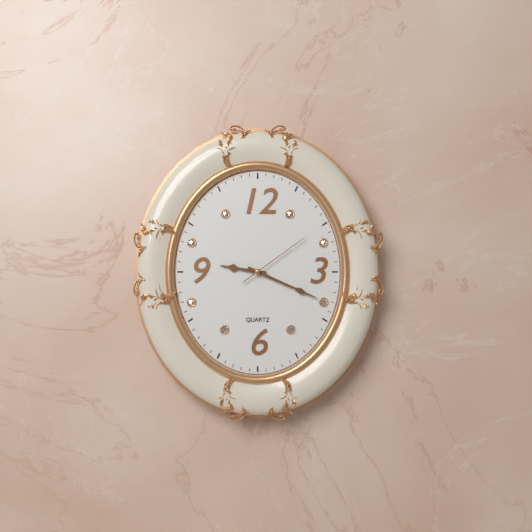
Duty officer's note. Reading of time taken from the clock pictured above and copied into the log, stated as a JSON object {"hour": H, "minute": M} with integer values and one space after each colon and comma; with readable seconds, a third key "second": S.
{"hour": 9, "minute": 19, "second": 9}
